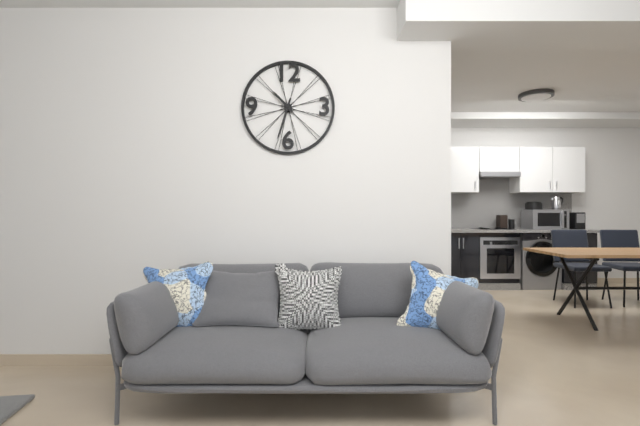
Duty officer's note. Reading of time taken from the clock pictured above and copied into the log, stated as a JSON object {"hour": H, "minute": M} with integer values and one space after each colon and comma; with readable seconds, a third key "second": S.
{"hour": 10, "minute": 33}
